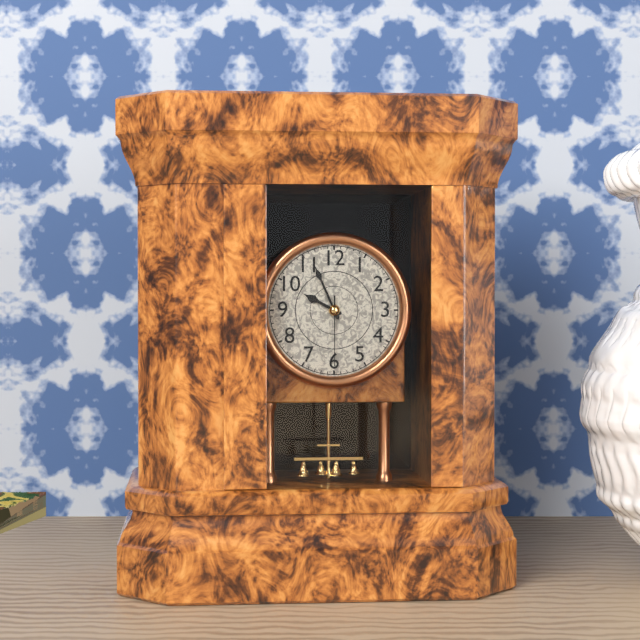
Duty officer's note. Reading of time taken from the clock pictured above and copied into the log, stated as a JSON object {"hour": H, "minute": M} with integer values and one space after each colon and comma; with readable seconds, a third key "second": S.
{"hour": 9, "minute": 56, "second": 30}
